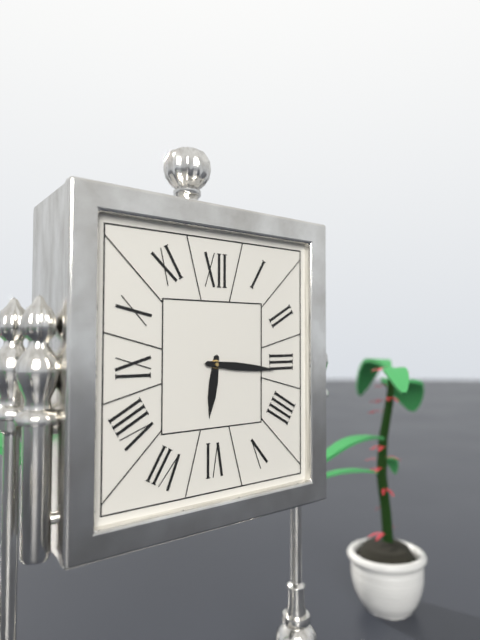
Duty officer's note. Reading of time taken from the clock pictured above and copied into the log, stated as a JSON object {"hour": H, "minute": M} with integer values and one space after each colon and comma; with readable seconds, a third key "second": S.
{"hour": 6, "minute": 16}
